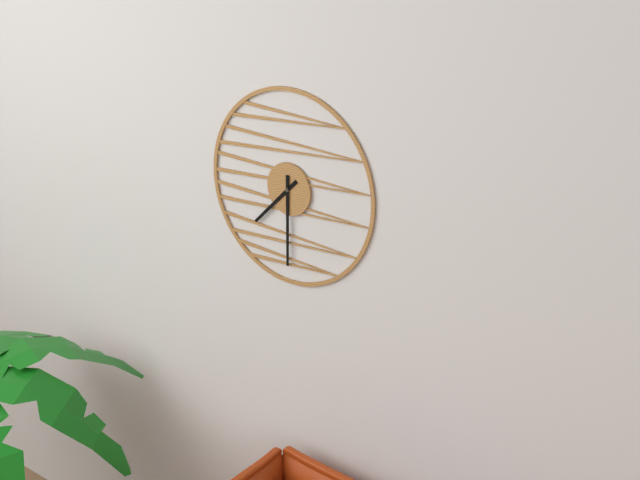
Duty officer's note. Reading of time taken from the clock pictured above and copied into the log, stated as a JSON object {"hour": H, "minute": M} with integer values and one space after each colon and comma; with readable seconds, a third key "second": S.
{"hour": 7, "minute": 30}
